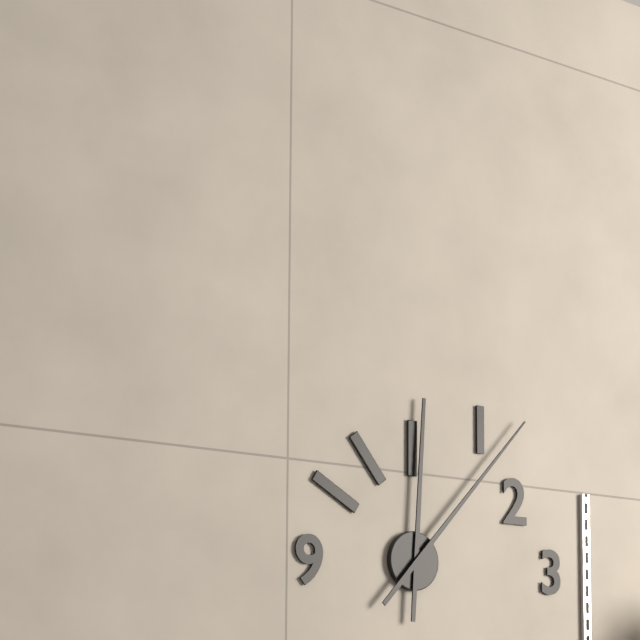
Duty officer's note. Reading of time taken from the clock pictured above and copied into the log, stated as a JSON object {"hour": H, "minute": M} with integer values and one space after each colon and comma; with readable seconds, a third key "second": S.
{"hour": 12, "minute": 7}
